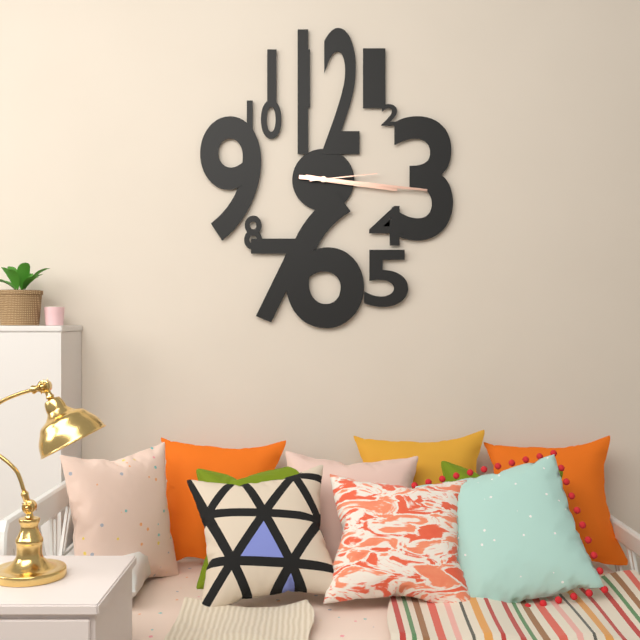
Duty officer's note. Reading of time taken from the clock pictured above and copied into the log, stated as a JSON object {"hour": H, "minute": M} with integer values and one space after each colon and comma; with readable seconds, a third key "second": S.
{"hour": 3, "minute": 16, "second": 14}
